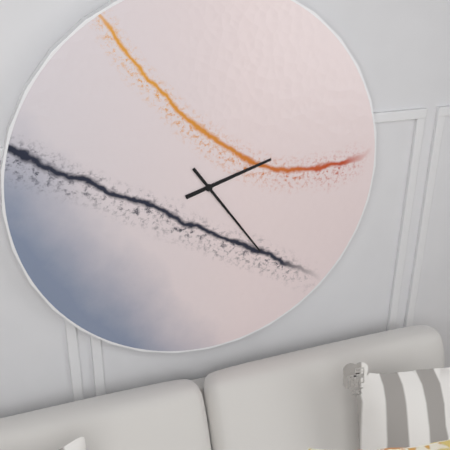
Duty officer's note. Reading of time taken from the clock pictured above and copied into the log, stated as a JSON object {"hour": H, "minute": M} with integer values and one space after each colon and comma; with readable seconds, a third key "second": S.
{"hour": 2, "minute": 24}
